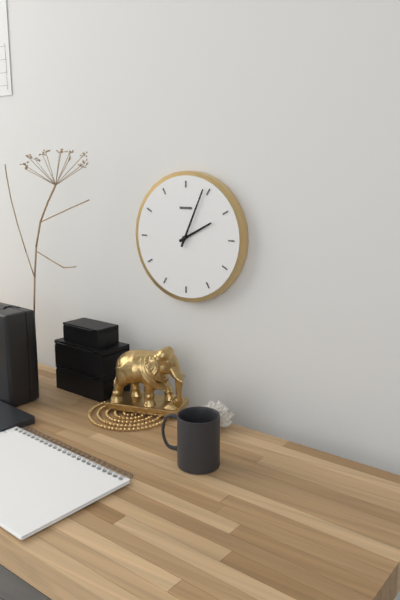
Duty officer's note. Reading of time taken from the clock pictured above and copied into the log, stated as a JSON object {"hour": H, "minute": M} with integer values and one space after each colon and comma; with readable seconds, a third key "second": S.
{"hour": 2, "minute": 4}
